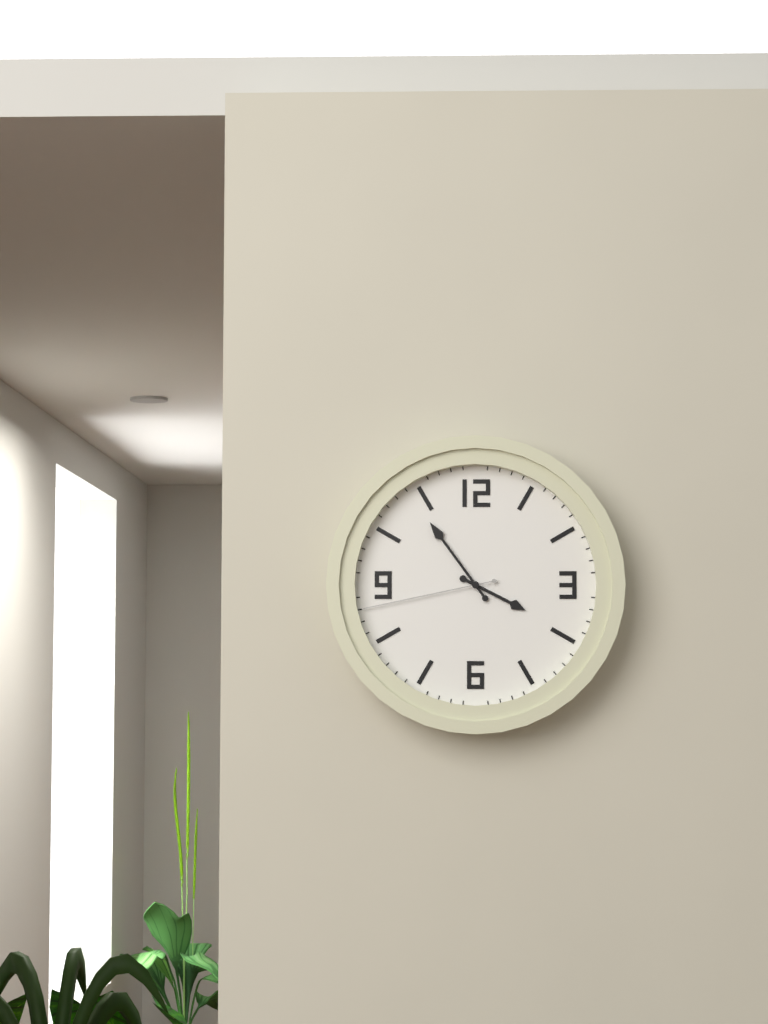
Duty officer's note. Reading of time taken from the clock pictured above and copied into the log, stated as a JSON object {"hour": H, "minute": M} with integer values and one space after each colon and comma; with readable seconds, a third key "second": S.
{"hour": 3, "minute": 54, "second": 43}
